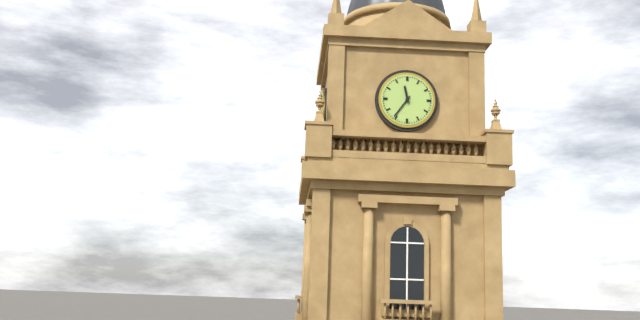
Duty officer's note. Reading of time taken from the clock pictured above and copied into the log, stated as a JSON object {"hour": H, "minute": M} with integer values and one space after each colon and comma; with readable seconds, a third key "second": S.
{"hour": 11, "minute": 36}
